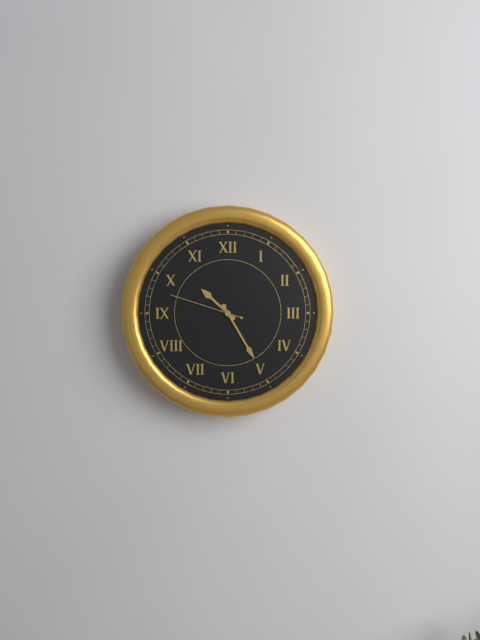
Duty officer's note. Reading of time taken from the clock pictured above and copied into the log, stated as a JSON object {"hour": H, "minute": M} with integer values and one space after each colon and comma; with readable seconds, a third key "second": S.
{"hour": 10, "minute": 25, "second": 48}
